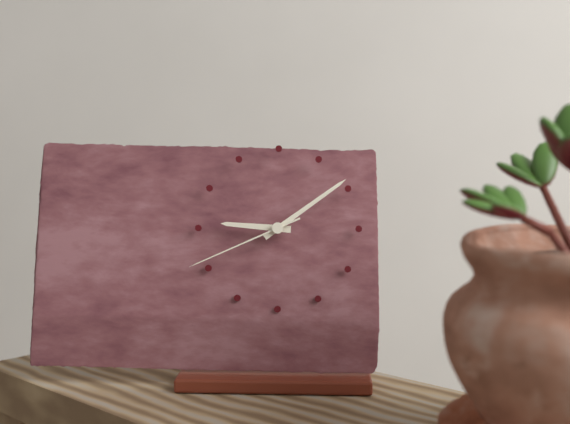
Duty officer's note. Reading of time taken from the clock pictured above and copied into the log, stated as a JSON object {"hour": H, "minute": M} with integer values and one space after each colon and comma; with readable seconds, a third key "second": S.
{"hour": 9, "minute": 9, "second": 41}
